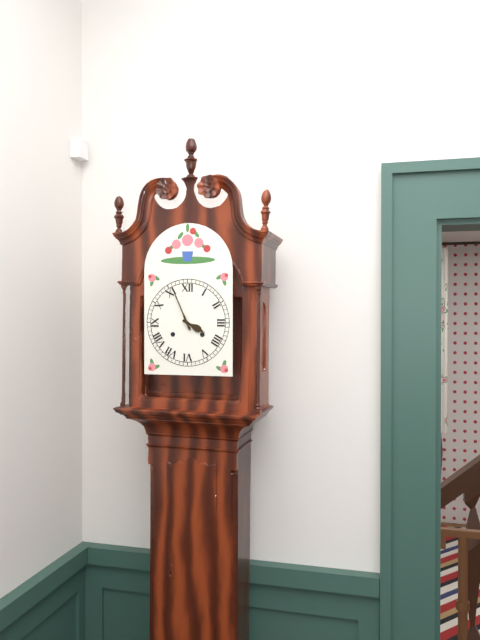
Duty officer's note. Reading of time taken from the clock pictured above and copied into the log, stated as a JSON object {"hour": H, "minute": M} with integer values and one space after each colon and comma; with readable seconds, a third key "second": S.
{"hour": 3, "minute": 56}
